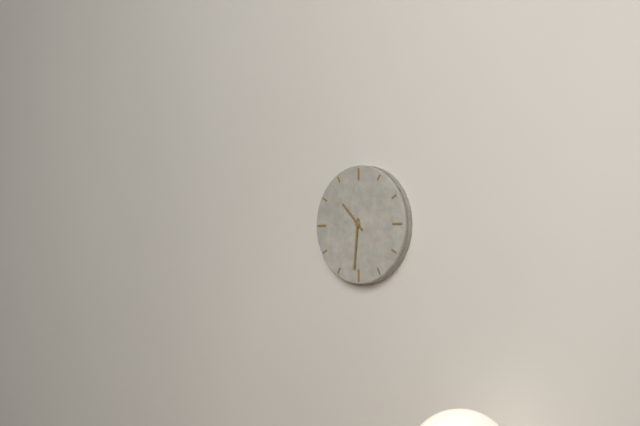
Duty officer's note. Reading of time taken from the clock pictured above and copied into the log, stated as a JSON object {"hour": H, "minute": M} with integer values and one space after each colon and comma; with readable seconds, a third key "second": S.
{"hour": 10, "minute": 31}
